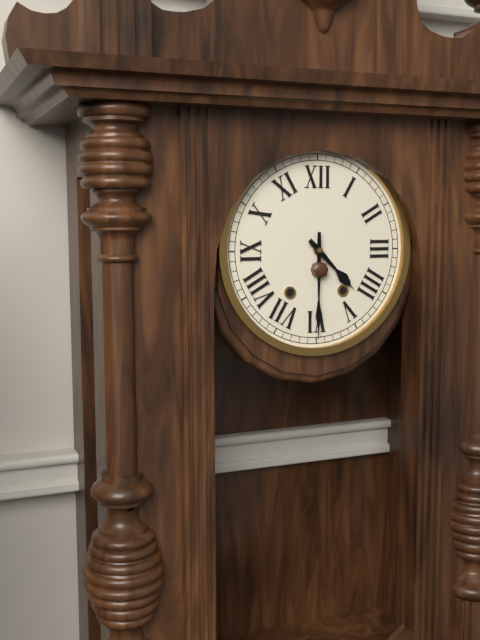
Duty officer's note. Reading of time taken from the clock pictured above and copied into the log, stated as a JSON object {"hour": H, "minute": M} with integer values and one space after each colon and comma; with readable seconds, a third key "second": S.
{"hour": 4, "minute": 30}
